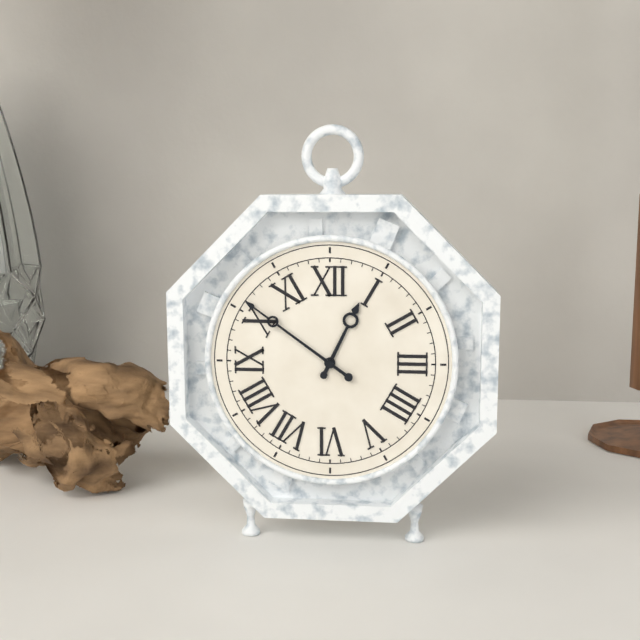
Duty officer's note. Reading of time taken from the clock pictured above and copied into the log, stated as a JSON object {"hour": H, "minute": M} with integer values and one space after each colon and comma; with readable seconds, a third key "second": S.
{"hour": 12, "minute": 51}
